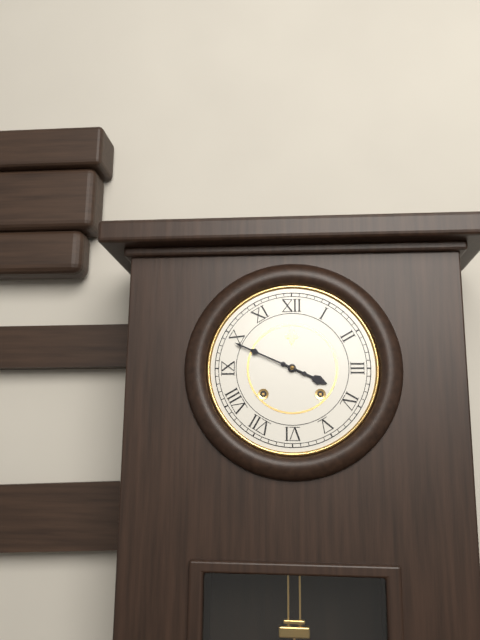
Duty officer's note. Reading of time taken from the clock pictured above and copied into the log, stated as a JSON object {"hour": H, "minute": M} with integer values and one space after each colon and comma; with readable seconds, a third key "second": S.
{"hour": 3, "minute": 49}
